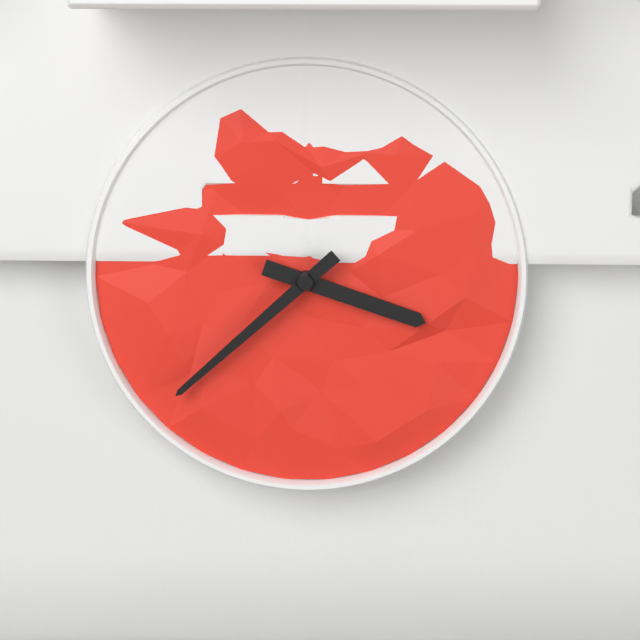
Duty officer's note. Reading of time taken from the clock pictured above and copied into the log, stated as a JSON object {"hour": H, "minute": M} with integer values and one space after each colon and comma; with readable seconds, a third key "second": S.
{"hour": 3, "minute": 38}
